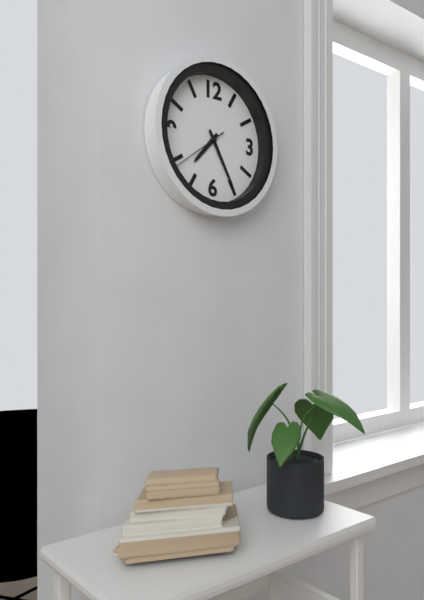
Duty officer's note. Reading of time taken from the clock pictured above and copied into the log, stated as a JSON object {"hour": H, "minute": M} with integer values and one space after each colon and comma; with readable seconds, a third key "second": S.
{"hour": 7, "minute": 25, "second": 39}
